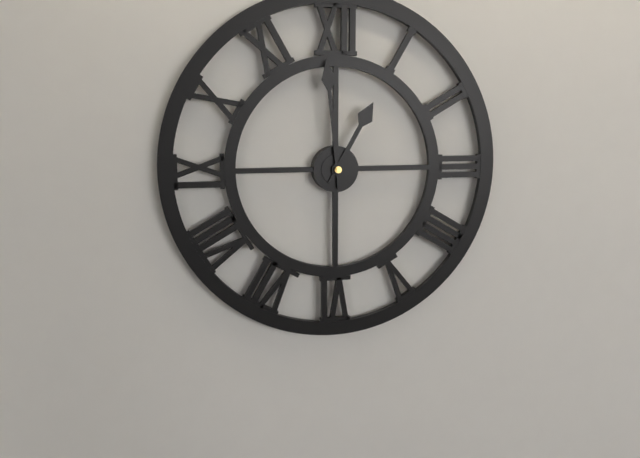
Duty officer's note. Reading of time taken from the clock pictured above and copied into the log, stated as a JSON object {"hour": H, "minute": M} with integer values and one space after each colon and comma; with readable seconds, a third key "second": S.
{"hour": 12, "minute": 59}
